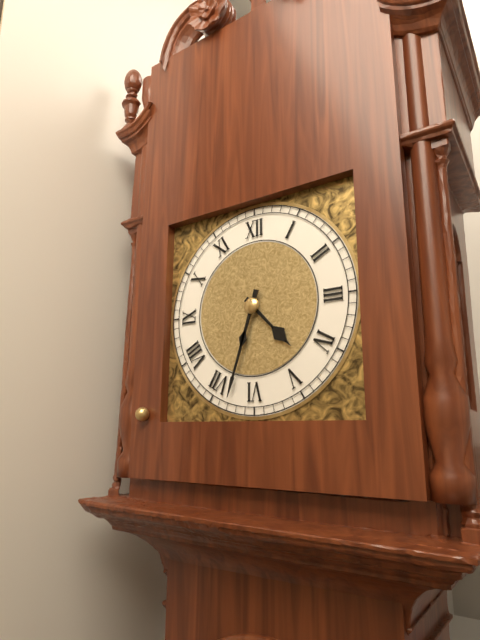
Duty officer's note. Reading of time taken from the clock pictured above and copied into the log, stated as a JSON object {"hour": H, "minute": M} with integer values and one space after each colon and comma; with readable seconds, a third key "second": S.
{"hour": 4, "minute": 33}
